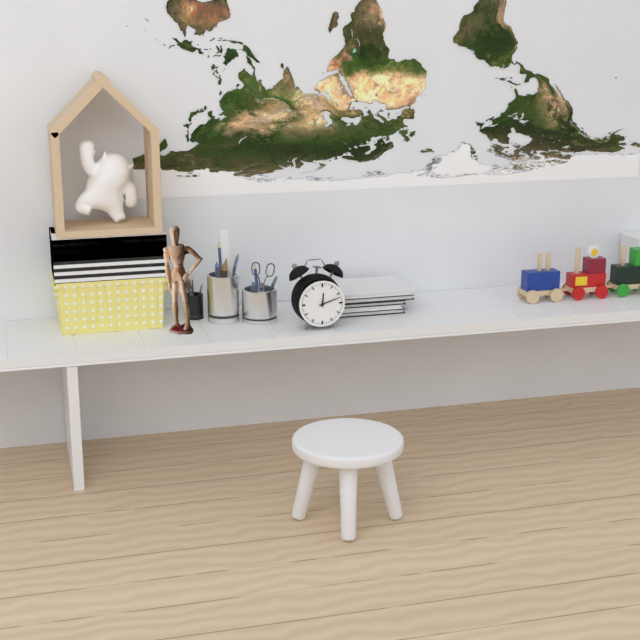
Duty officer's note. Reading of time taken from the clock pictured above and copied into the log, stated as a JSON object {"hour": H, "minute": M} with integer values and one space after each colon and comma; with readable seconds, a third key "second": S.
{"hour": 12, "minute": 12}
